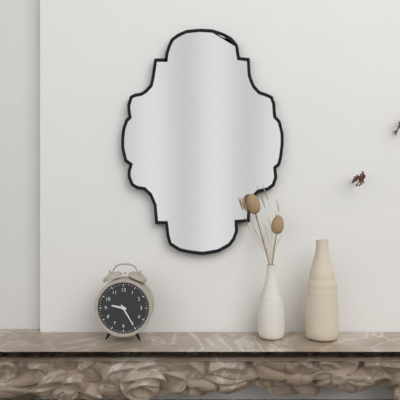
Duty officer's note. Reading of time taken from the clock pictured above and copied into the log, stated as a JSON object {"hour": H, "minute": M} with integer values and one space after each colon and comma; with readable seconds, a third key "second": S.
{"hour": 9, "minute": 25}
